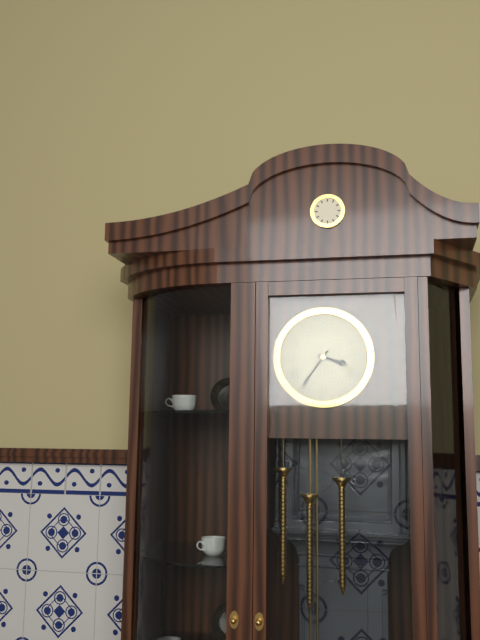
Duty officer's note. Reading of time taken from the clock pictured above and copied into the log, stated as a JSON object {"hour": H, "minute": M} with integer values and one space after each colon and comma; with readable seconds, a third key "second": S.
{"hour": 3, "minute": 36}
